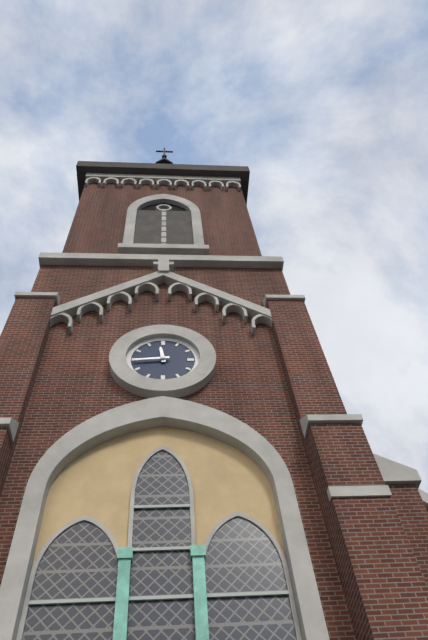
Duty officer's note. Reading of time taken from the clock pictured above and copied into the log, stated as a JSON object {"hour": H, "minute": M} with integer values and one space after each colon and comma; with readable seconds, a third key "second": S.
{"hour": 11, "minute": 44}
